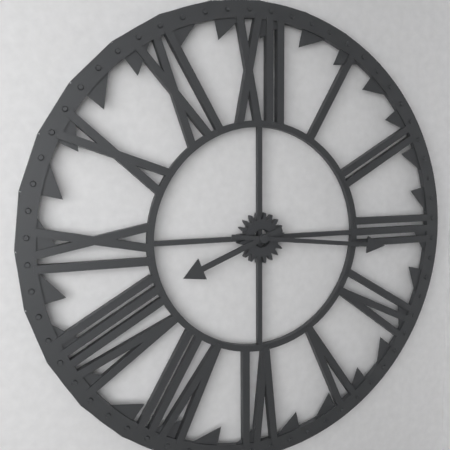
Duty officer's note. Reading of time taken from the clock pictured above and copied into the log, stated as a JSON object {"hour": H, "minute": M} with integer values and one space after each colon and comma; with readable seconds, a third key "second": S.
{"hour": 8, "minute": 16}
